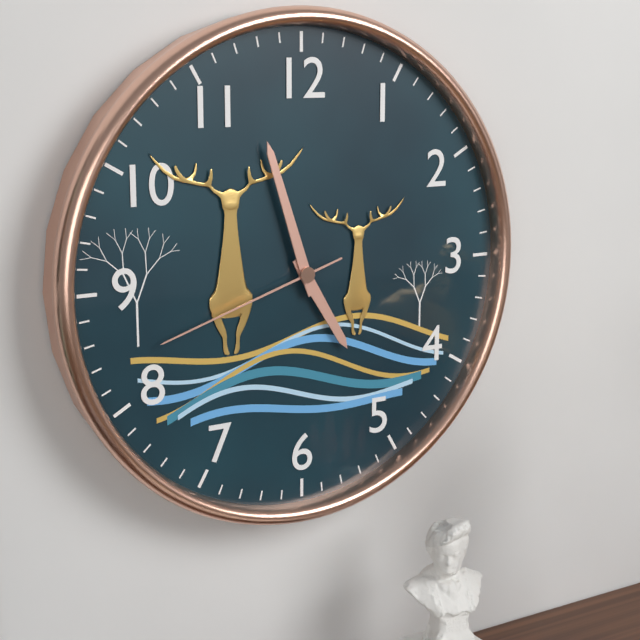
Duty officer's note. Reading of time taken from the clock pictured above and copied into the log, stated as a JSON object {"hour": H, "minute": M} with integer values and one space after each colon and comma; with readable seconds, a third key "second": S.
{"hour": 4, "minute": 57, "second": 42}
